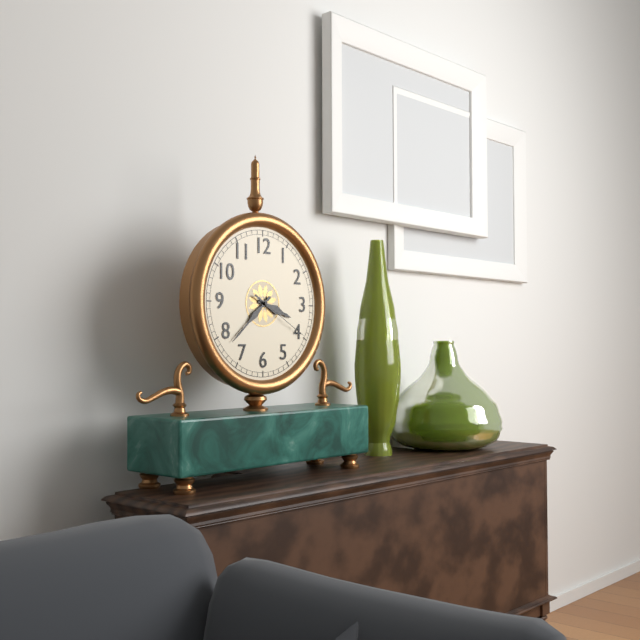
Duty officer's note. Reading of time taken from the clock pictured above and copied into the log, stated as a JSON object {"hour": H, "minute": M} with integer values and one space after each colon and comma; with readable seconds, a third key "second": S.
{"hour": 3, "minute": 38, "second": 20}
